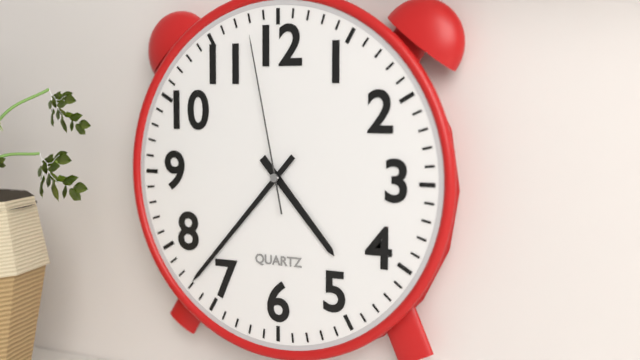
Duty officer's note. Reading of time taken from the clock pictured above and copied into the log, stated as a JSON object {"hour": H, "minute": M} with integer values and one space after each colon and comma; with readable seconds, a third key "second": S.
{"hour": 4, "minute": 37, "second": 58}
